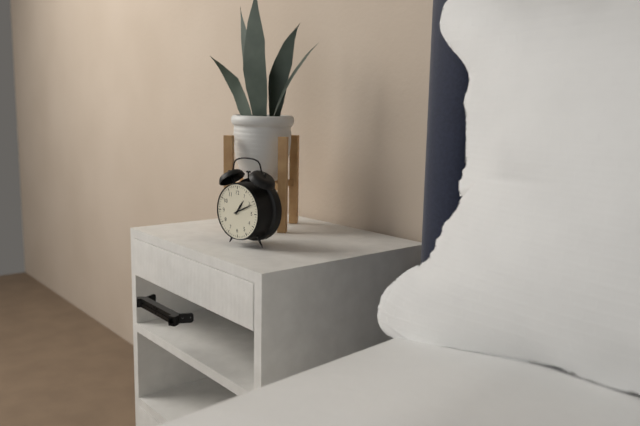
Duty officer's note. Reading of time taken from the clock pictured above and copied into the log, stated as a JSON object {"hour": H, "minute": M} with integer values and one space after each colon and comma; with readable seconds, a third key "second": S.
{"hour": 1, "minute": 11}
